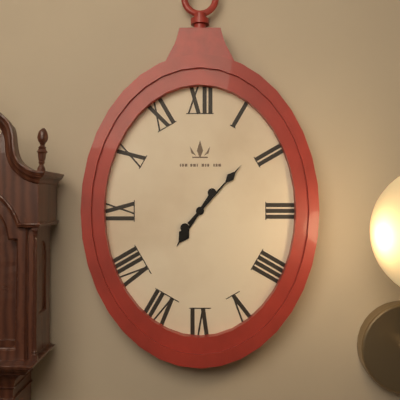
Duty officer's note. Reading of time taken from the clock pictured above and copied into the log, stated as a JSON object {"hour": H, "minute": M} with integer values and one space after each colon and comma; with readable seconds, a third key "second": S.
{"hour": 7, "minute": 7}
